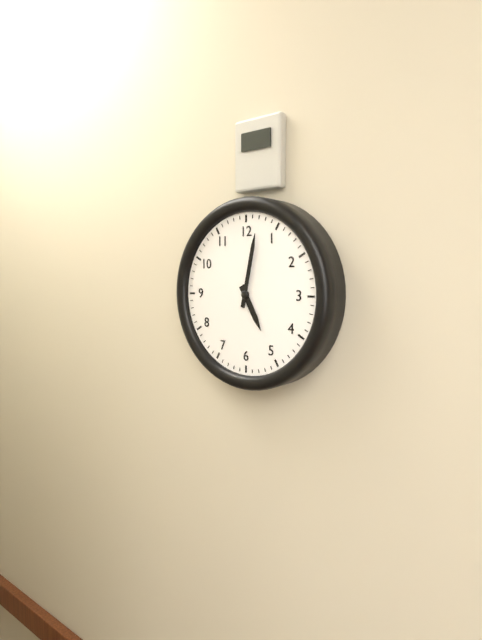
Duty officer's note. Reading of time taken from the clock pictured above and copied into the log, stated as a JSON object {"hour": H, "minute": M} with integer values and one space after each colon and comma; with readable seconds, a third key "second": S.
{"hour": 5, "minute": 2}
